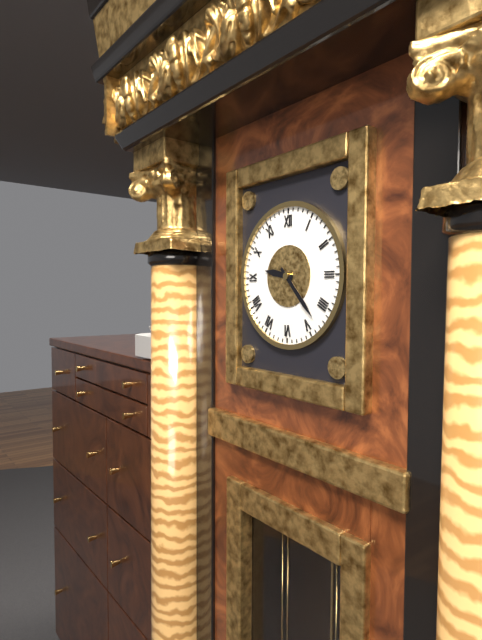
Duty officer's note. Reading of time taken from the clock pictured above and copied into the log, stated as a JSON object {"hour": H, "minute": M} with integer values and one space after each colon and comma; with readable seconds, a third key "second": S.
{"hour": 9, "minute": 23}
